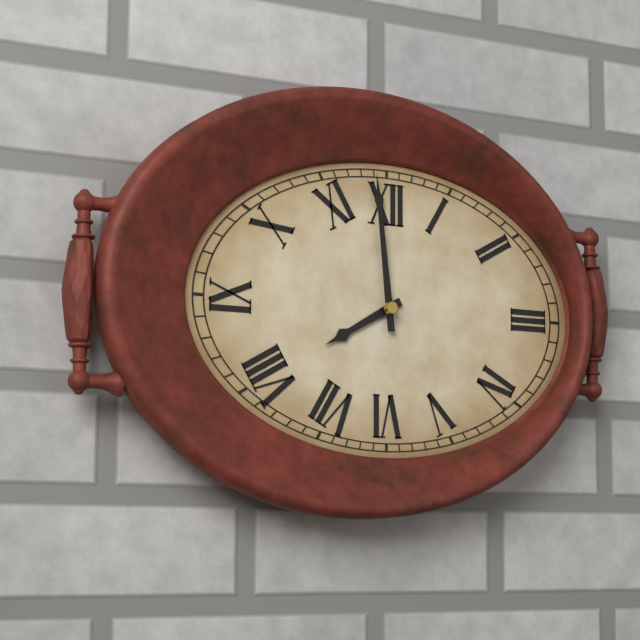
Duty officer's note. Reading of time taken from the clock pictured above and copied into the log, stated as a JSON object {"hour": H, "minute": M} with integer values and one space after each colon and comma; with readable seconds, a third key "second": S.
{"hour": 7, "minute": 59}
